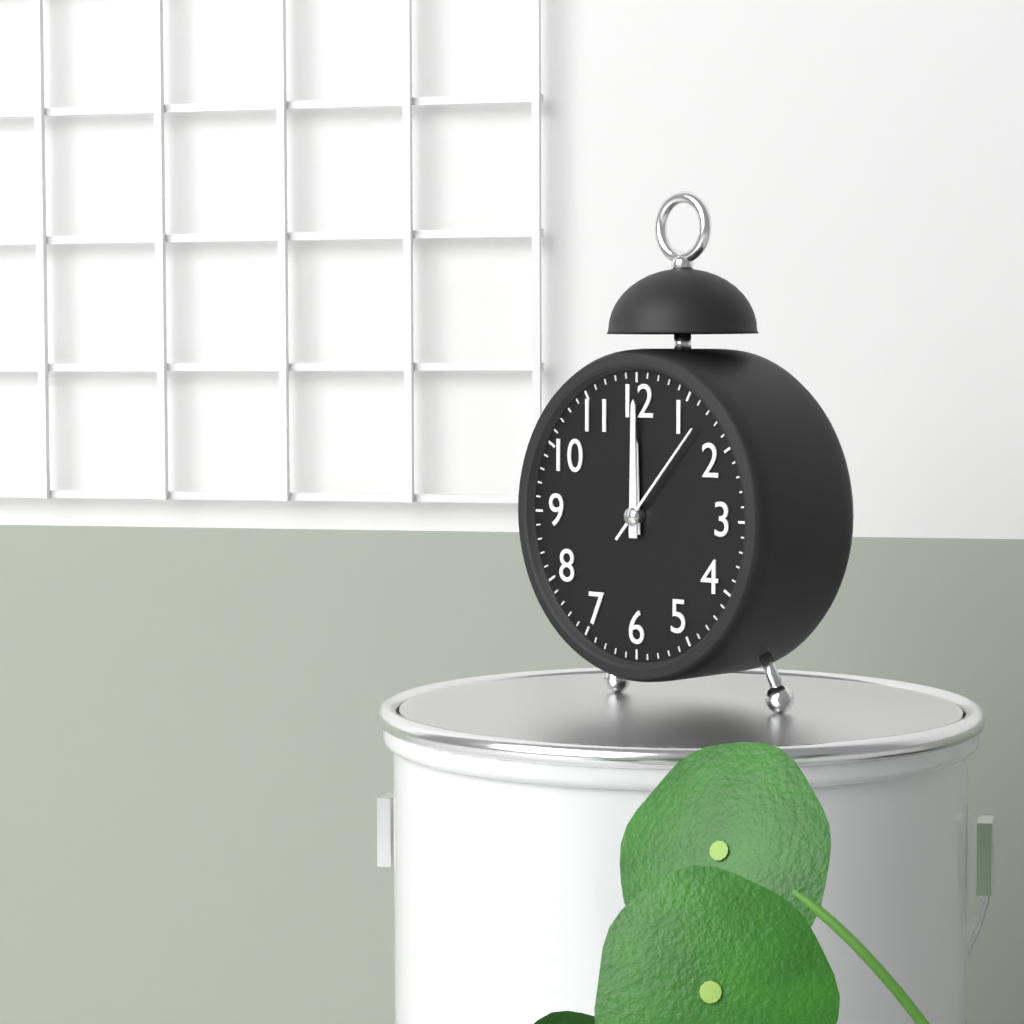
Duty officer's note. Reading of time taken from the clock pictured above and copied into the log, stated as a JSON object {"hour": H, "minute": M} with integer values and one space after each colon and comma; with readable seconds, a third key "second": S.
{"hour": 12, "minute": 0, "second": 7}
